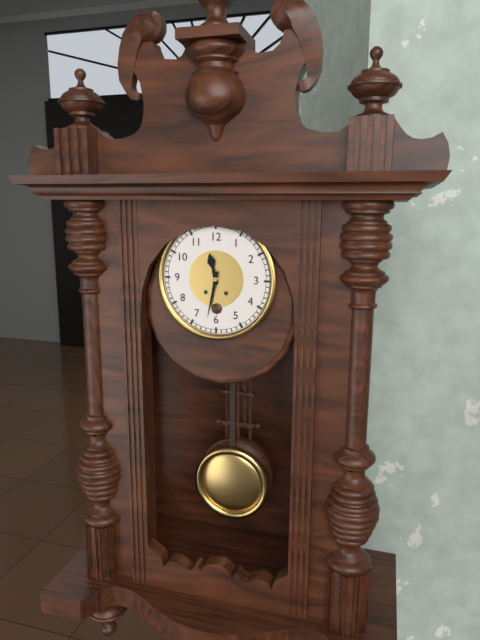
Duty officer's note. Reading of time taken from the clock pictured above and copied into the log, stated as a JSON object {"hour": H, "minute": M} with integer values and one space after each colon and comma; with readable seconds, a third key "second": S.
{"hour": 11, "minute": 32}
